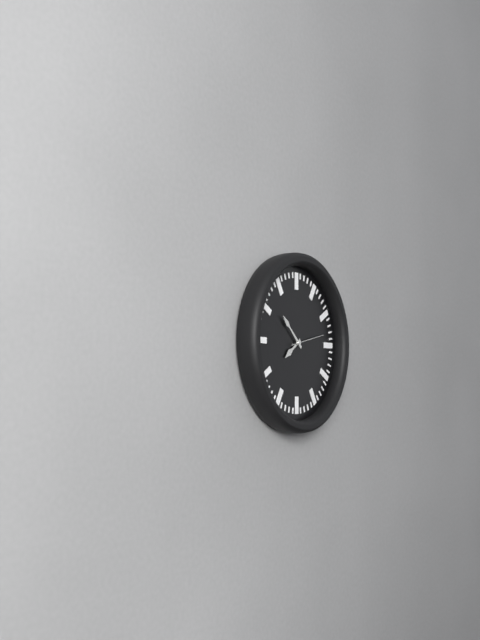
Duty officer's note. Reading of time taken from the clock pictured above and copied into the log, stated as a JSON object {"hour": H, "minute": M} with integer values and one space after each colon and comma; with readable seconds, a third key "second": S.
{"hour": 7, "minute": 52}
